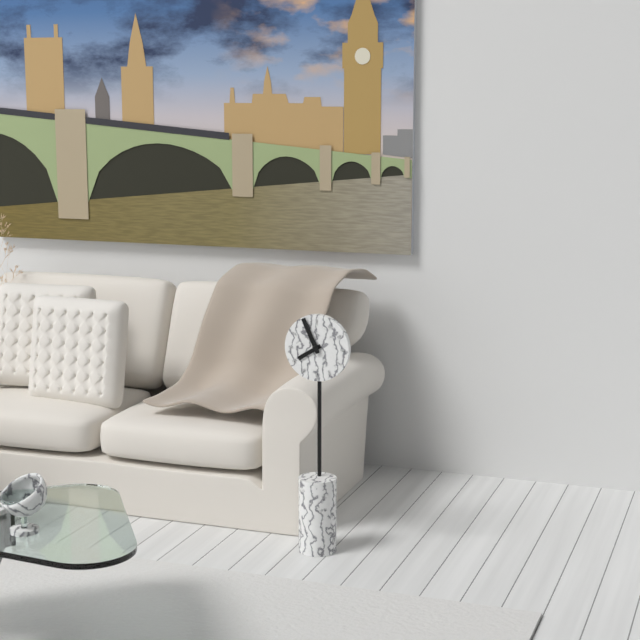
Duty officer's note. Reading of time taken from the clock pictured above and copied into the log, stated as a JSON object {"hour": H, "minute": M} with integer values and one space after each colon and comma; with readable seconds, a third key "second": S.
{"hour": 7, "minute": 56}
